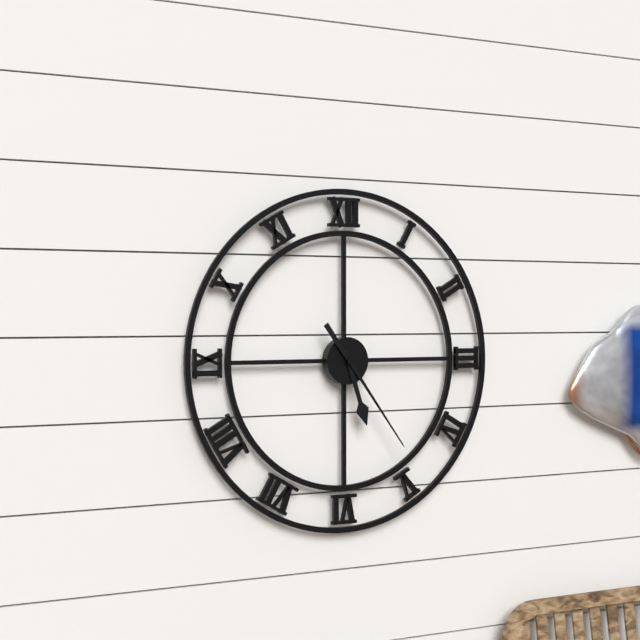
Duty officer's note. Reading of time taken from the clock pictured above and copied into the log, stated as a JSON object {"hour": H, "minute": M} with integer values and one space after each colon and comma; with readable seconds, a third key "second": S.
{"hour": 5, "minute": 24}
